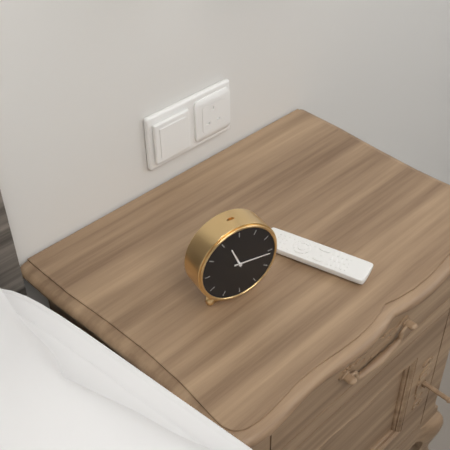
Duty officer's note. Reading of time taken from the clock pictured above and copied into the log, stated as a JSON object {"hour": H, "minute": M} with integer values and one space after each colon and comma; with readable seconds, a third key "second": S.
{"hour": 11, "minute": 16}
